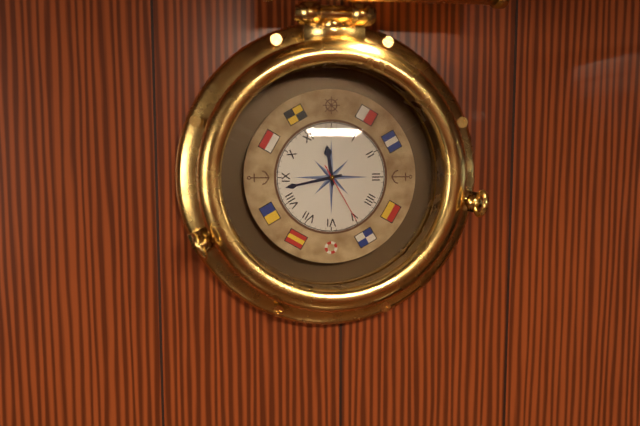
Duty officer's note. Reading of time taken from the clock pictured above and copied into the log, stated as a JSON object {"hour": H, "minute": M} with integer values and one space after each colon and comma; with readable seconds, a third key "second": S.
{"hour": 11, "minute": 43, "second": 25}
